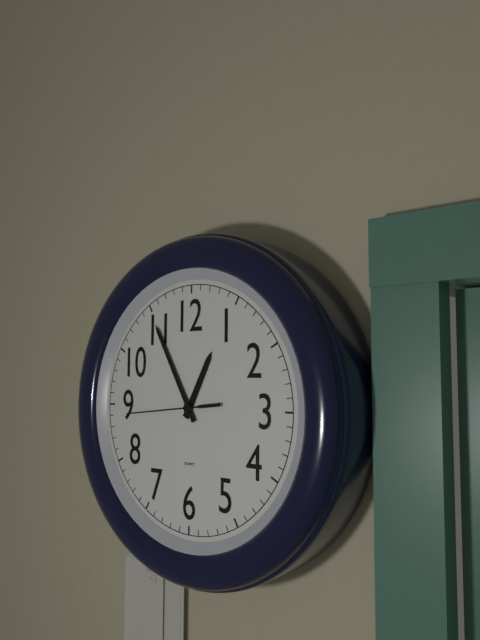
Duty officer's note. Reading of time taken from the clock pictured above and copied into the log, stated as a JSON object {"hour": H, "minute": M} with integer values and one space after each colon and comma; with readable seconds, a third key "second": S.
{"hour": 12, "minute": 55, "second": 44}
